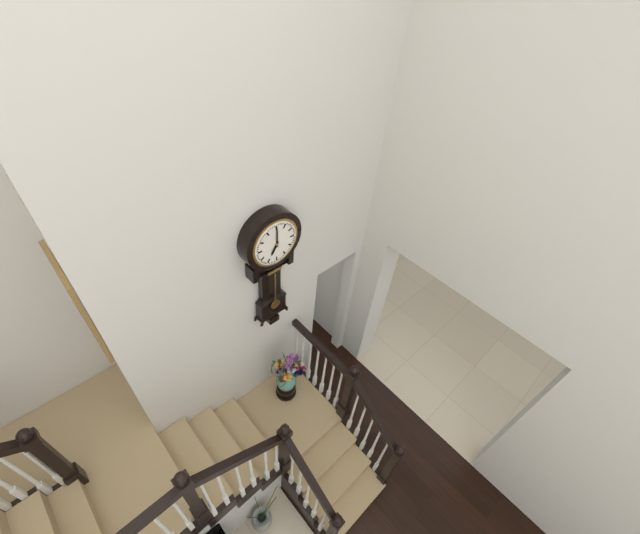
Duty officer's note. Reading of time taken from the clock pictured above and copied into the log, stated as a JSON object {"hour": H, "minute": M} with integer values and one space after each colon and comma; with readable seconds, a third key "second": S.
{"hour": 7, "minute": 0}
